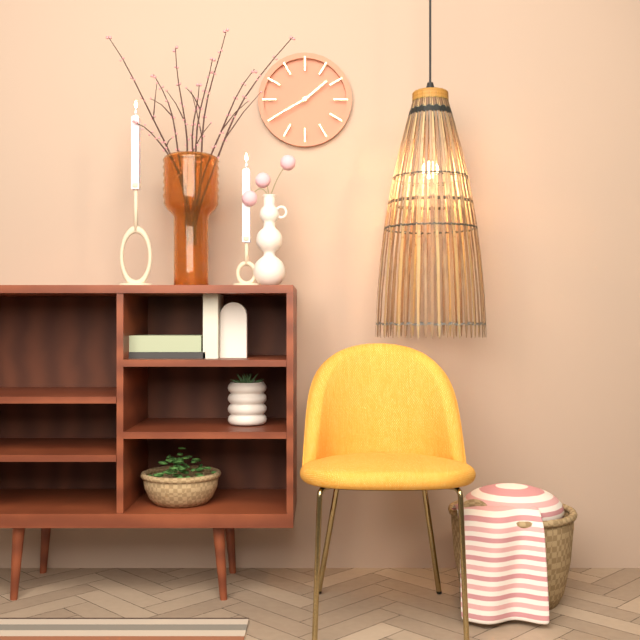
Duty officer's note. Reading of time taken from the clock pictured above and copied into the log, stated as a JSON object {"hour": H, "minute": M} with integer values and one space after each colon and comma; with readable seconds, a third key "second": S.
{"hour": 1, "minute": 40}
